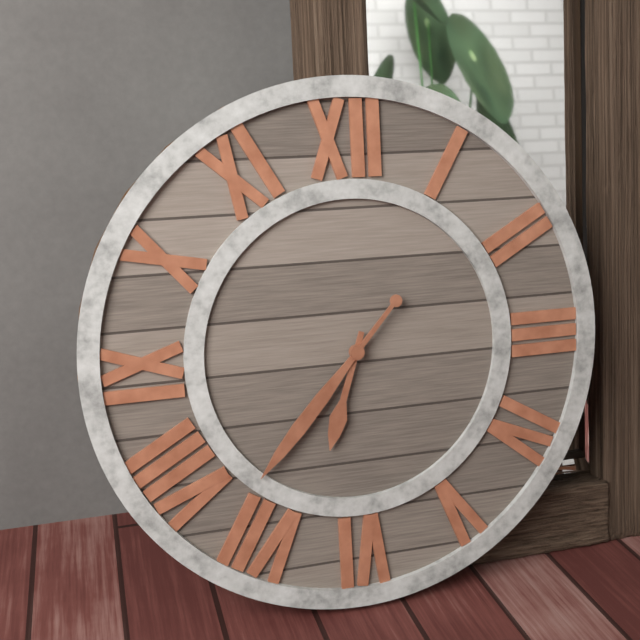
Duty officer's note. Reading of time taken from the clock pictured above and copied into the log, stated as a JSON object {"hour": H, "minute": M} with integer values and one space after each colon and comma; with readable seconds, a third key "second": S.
{"hour": 6, "minute": 37}
